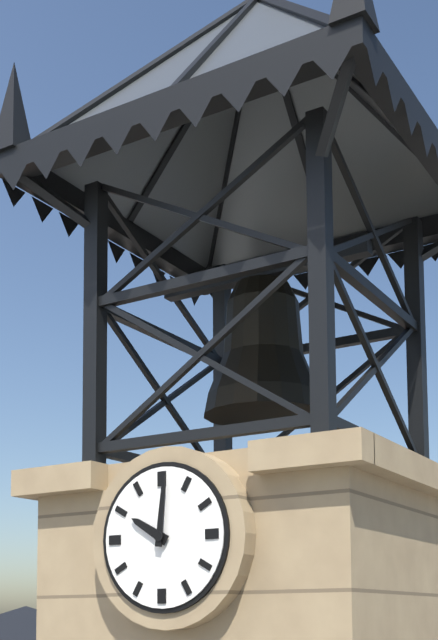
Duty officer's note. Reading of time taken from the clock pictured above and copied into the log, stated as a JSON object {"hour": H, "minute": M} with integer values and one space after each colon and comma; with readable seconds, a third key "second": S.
{"hour": 10, "minute": 1}
